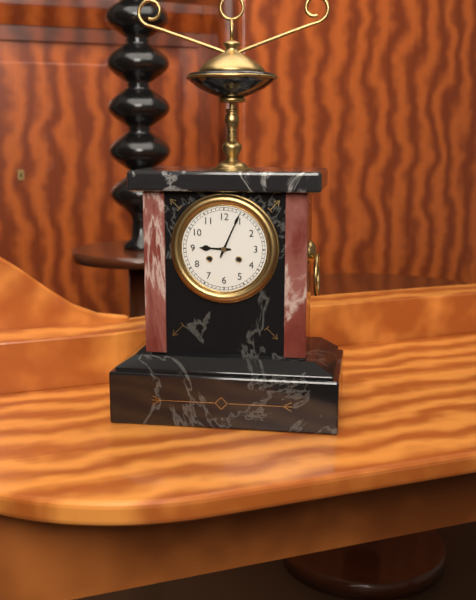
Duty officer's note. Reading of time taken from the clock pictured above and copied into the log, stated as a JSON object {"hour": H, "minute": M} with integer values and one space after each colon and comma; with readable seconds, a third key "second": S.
{"hour": 9, "minute": 4}
